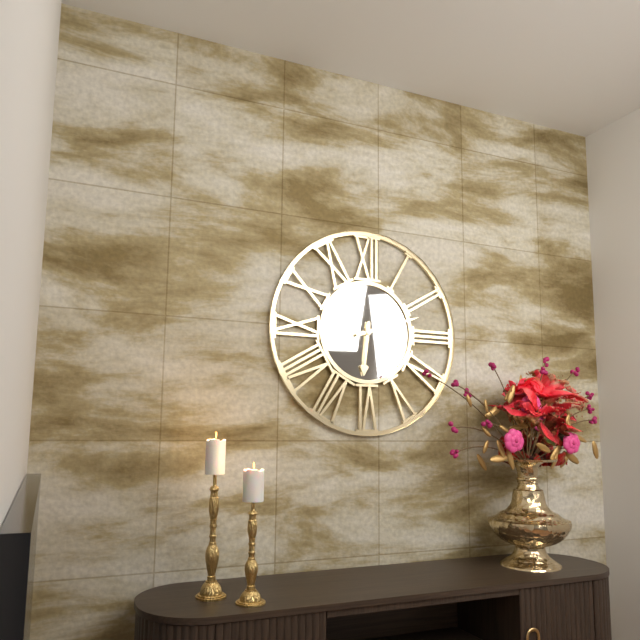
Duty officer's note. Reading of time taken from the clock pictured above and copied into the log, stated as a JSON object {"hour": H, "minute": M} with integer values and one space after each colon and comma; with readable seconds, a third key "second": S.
{"hour": 6, "minute": 12}
